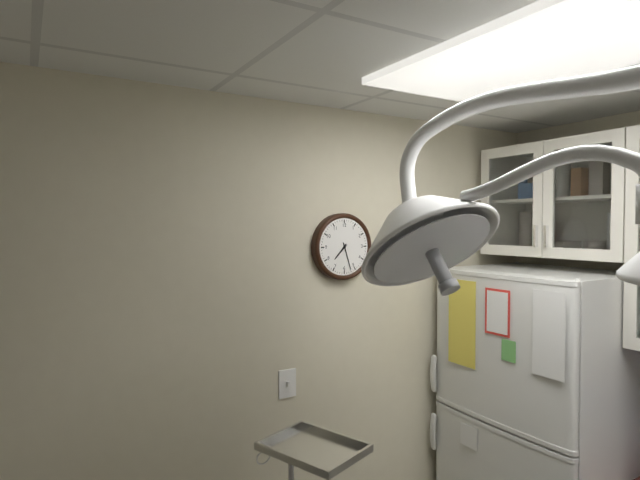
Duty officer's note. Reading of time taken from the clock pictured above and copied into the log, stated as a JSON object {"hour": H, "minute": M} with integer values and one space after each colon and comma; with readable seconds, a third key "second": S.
{"hour": 7, "minute": 27}
